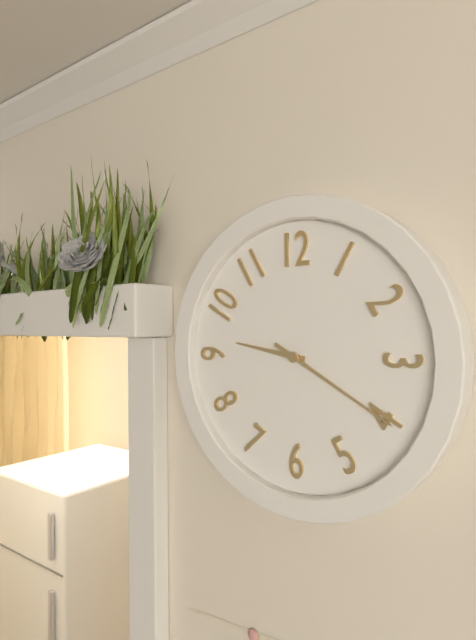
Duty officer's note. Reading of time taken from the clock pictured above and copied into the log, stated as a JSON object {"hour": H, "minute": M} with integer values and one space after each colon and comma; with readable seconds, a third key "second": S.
{"hour": 9, "minute": 20}
